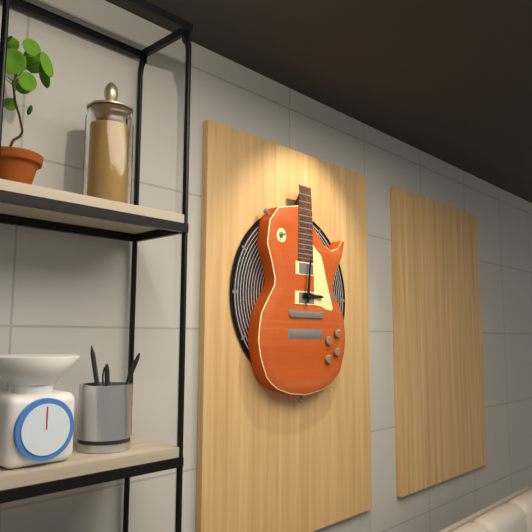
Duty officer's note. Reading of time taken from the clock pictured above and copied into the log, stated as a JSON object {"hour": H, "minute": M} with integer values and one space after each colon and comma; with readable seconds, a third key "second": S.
{"hour": 3, "minute": 1}
